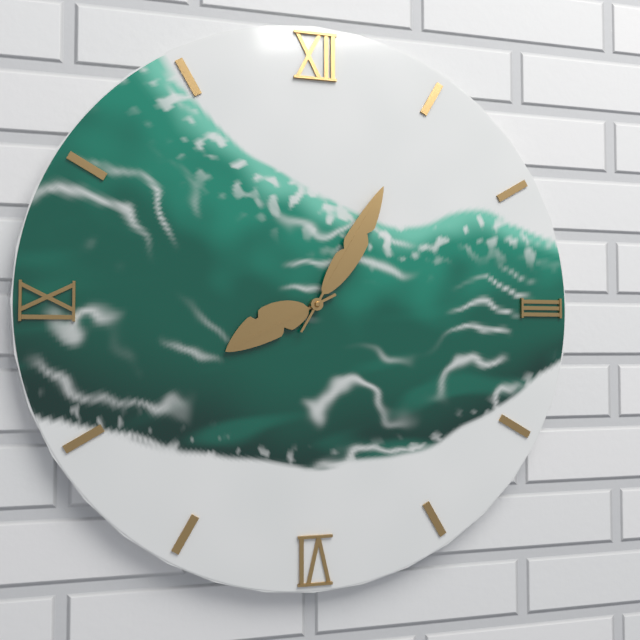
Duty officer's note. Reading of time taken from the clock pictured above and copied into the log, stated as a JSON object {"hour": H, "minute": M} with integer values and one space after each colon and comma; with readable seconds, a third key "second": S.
{"hour": 8, "minute": 5}
